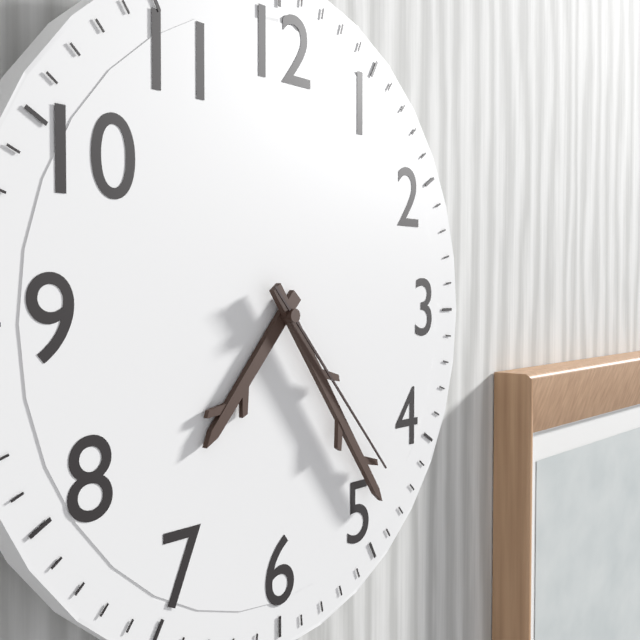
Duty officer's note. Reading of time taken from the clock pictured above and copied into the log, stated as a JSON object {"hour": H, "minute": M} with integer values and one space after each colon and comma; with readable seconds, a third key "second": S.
{"hour": 7, "minute": 24, "second": 23}
